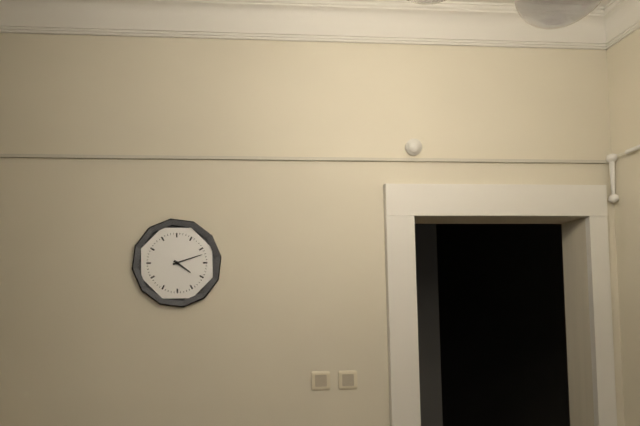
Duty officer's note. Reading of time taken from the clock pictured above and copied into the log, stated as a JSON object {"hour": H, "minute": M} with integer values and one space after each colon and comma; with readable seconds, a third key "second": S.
{"hour": 4, "minute": 12}
